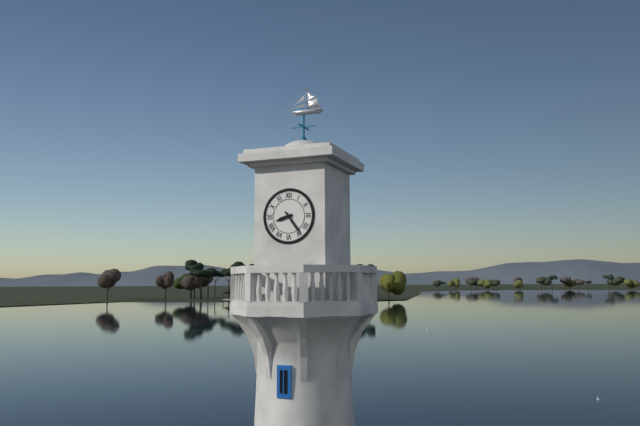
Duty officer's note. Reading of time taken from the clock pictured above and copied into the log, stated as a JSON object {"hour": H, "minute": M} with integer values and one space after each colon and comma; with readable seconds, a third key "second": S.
{"hour": 8, "minute": 24}
